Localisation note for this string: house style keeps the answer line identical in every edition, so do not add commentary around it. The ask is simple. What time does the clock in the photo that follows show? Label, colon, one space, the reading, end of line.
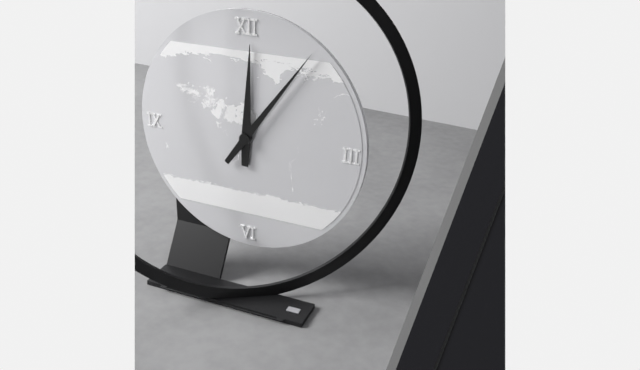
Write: 12:06
